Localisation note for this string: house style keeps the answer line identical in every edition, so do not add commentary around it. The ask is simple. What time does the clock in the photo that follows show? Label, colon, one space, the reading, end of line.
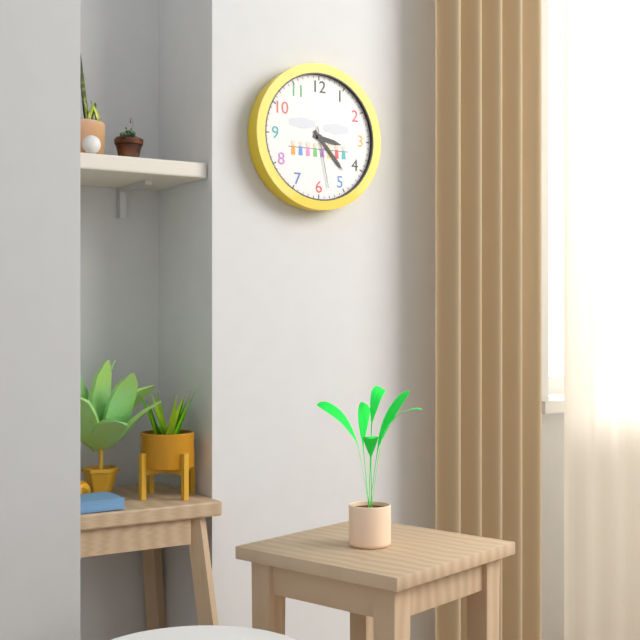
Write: 3:23:28
